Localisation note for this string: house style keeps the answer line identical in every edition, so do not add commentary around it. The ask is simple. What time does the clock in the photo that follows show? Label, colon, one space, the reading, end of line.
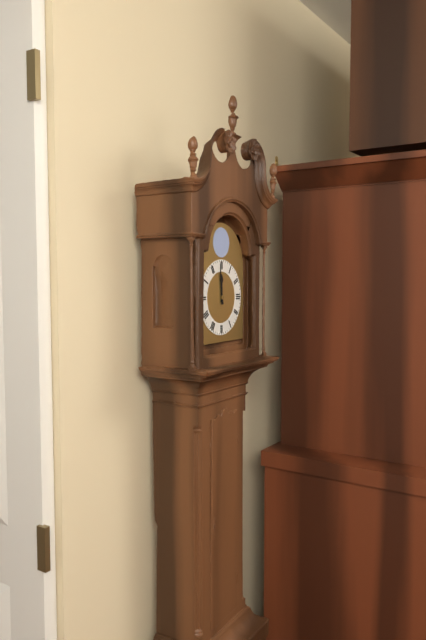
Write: 11:59
